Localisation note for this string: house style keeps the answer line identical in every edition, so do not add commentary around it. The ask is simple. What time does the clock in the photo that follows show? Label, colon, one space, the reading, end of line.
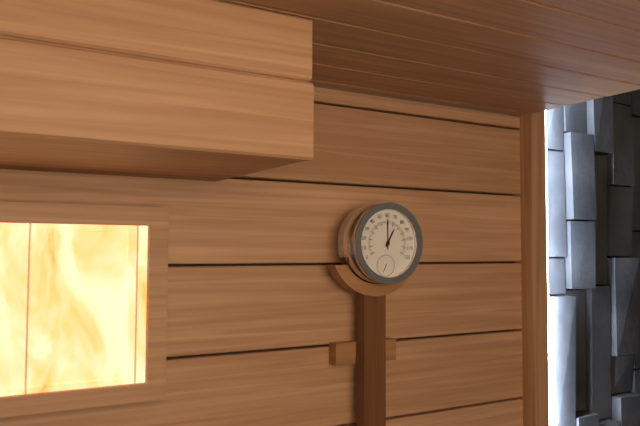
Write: 1:00
